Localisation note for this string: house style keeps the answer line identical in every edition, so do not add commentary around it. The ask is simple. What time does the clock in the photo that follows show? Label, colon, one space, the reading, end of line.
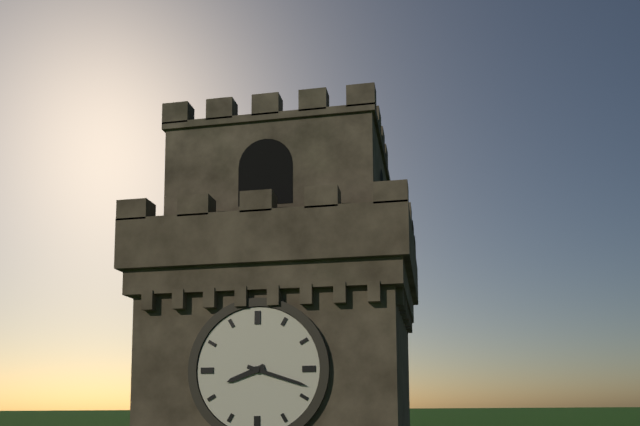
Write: 8:18
